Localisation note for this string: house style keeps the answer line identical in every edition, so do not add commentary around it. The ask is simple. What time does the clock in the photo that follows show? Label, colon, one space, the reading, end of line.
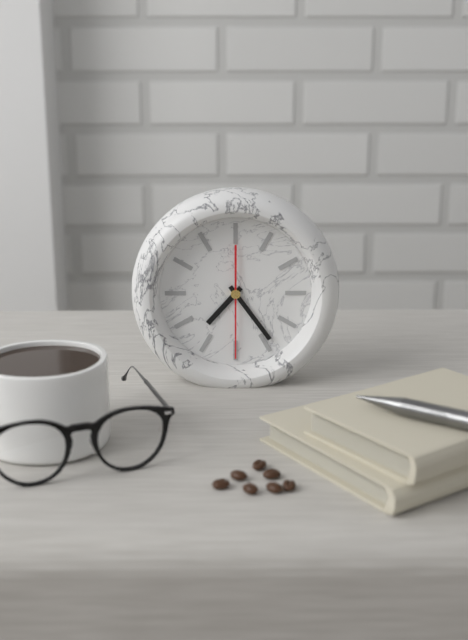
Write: 7:24:30
